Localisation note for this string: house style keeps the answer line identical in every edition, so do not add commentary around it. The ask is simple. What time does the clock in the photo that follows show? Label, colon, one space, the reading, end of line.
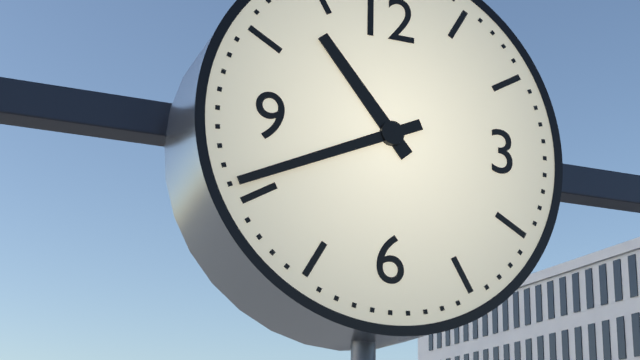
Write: 10:41
